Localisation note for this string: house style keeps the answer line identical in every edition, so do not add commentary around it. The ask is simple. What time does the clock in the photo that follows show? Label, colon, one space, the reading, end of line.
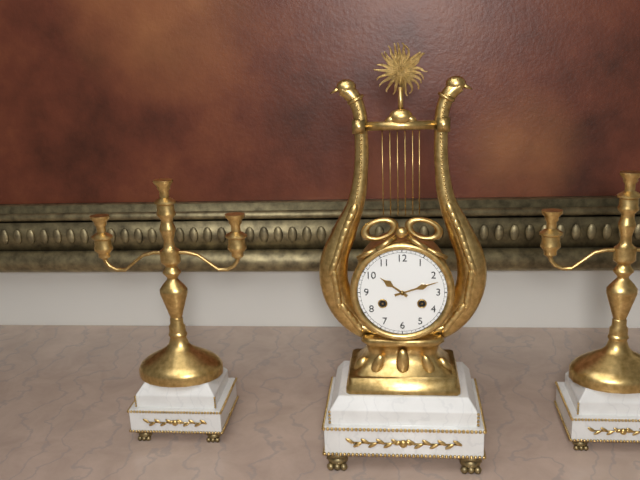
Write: 10:12
